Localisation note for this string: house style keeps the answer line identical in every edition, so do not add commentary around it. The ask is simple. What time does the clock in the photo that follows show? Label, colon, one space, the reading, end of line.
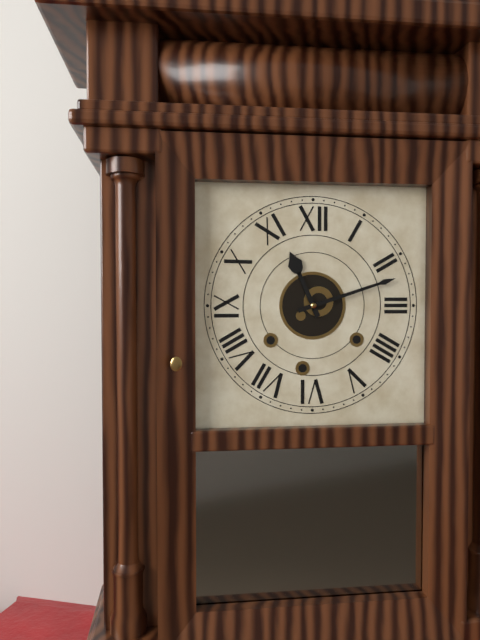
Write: 11:12
